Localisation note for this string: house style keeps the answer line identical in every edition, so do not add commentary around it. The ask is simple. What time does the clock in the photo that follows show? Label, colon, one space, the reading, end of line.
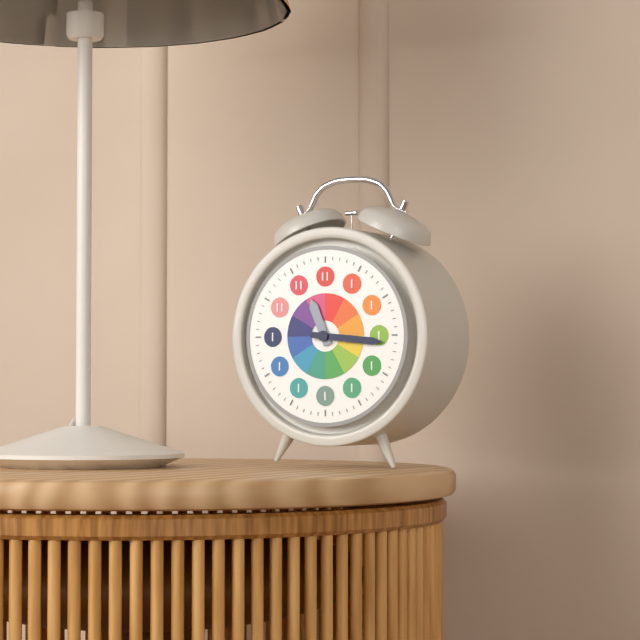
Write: 11:16
